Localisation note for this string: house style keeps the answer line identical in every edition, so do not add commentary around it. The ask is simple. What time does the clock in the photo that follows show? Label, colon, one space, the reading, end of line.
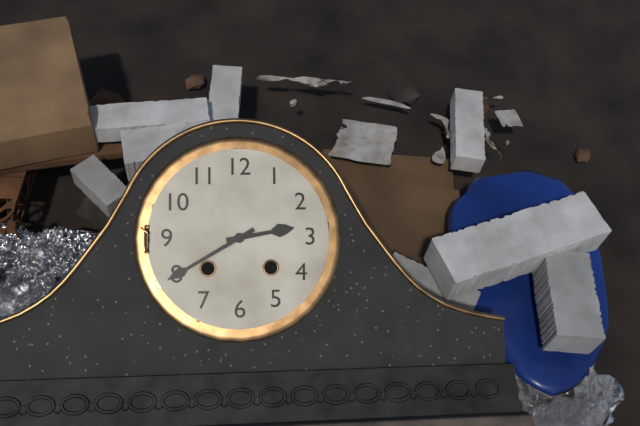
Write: 2:40
